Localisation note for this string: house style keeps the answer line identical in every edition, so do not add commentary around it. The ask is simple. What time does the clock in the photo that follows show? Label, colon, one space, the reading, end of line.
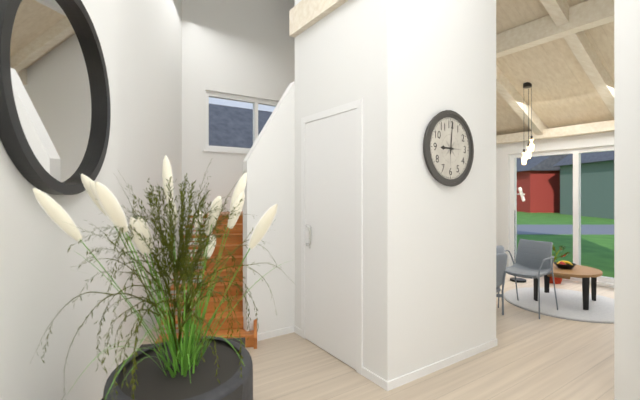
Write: 9:01
